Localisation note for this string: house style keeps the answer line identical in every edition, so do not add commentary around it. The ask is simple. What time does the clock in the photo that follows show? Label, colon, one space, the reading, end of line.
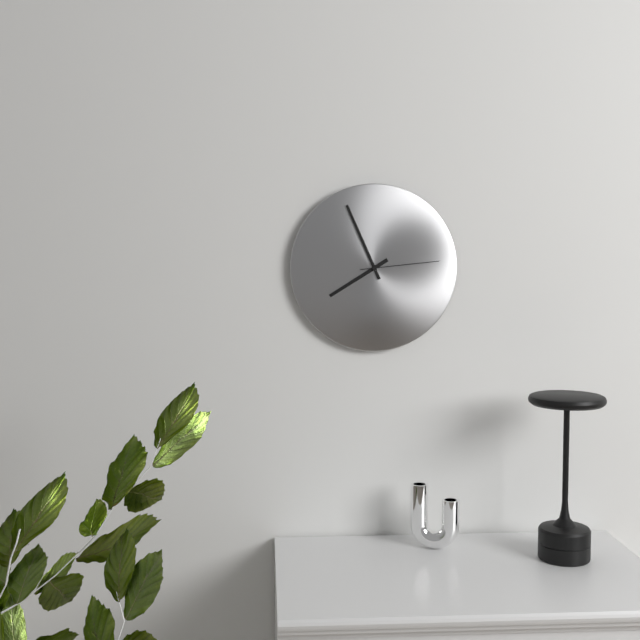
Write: 7:56:14
